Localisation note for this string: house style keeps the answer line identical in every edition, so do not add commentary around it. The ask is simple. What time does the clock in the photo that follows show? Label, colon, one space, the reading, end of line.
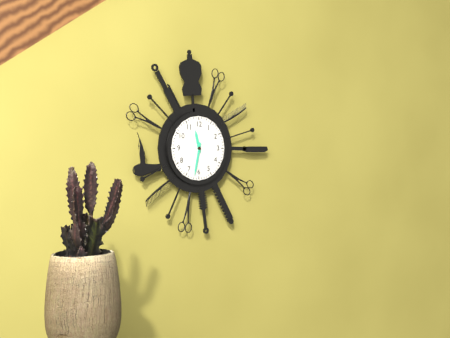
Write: 11:32
